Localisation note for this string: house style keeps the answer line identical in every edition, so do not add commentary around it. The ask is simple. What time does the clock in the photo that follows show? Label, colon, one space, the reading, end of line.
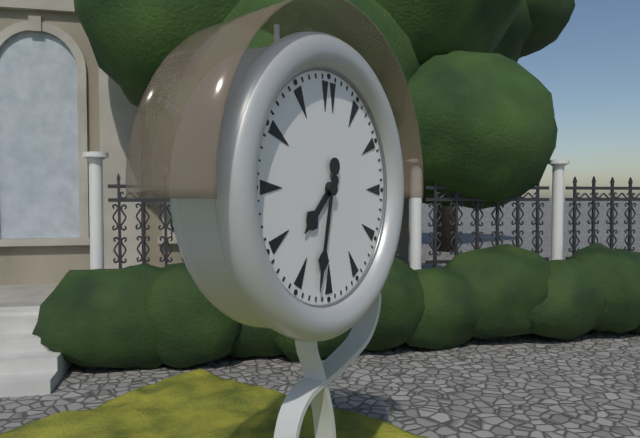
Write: 7:32
